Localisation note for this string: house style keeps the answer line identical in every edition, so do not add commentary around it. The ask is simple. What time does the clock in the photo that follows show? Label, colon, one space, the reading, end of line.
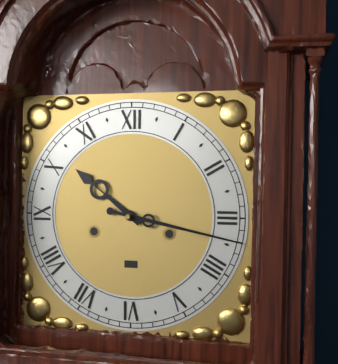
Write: 10:17
